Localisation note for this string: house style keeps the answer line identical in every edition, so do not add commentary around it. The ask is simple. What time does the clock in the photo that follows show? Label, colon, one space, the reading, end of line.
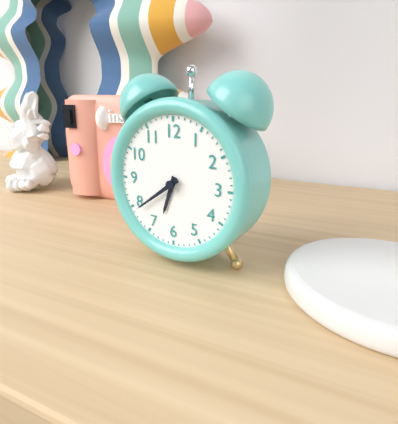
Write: 6:39
